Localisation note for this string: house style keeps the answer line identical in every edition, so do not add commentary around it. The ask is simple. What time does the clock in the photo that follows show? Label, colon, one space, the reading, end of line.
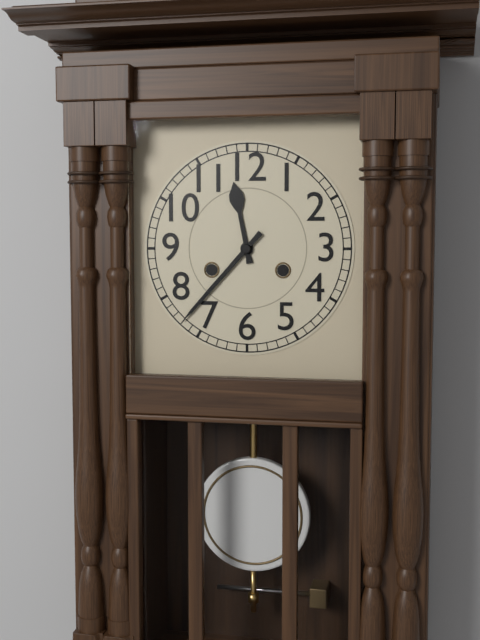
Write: 11:37
